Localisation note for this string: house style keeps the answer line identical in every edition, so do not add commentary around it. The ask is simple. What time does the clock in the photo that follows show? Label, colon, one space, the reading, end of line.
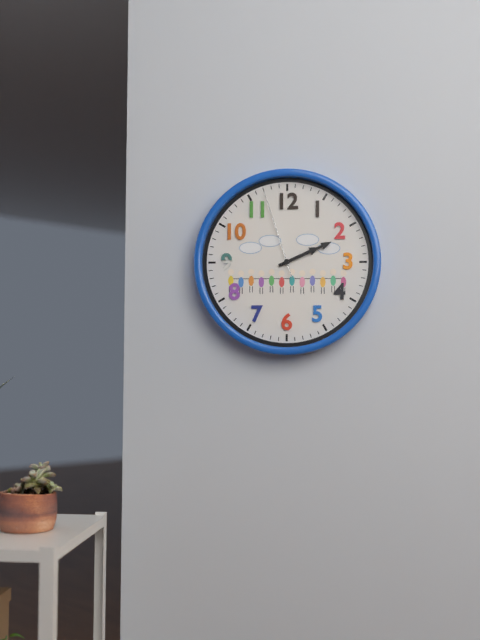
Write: 2:11:57
